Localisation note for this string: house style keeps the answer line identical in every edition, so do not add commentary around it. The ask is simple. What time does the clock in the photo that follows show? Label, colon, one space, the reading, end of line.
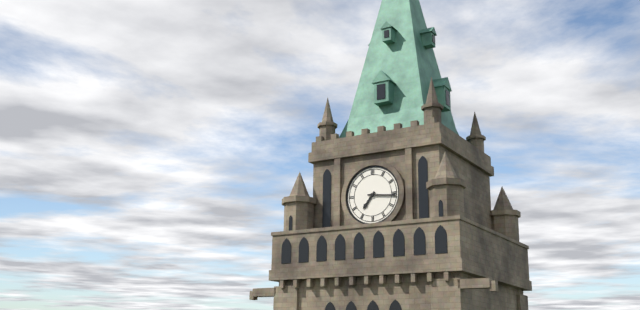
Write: 7:16
